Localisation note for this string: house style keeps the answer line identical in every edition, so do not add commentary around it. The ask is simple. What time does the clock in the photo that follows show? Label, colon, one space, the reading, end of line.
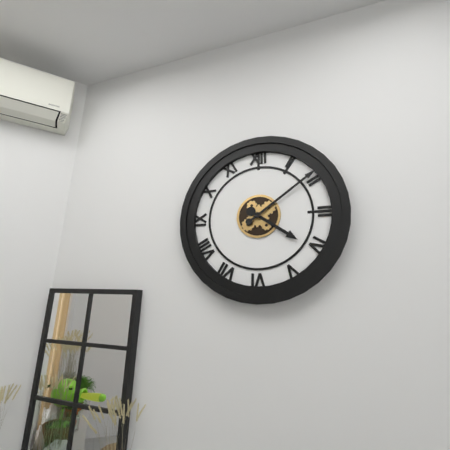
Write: 4:09
